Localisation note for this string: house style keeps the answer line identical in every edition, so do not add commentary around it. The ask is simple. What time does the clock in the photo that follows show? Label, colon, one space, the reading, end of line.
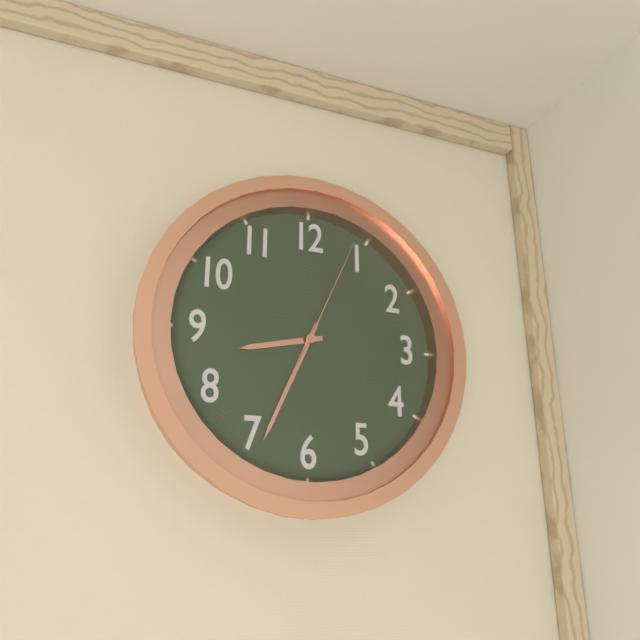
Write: 8:34:04
